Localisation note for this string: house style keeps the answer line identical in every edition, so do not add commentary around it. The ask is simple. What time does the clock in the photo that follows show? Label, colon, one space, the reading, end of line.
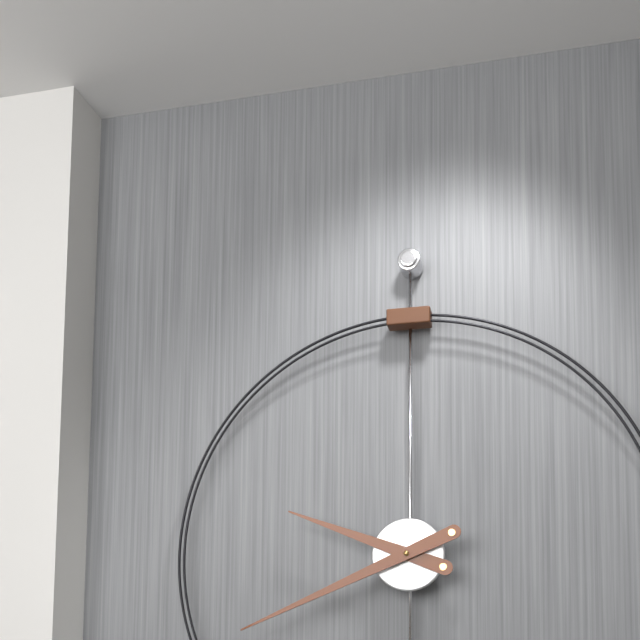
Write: 9:41
